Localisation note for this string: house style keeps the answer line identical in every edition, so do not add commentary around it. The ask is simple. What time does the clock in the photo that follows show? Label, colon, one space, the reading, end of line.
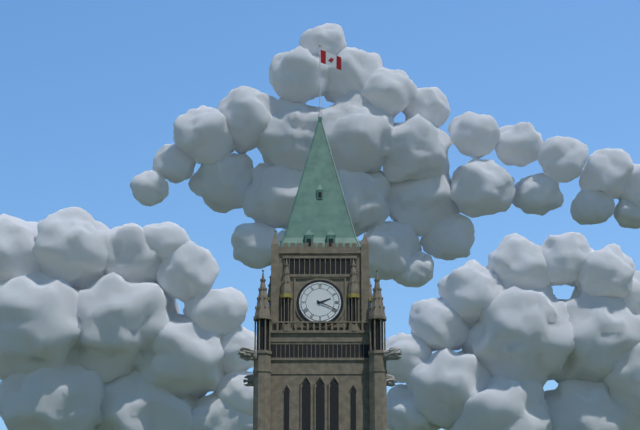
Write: 2:19
